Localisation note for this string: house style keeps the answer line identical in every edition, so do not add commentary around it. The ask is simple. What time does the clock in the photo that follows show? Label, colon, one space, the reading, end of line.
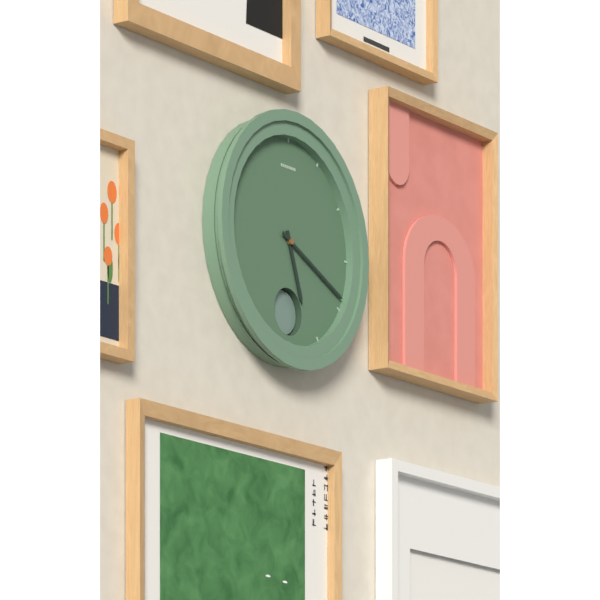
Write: 5:19
